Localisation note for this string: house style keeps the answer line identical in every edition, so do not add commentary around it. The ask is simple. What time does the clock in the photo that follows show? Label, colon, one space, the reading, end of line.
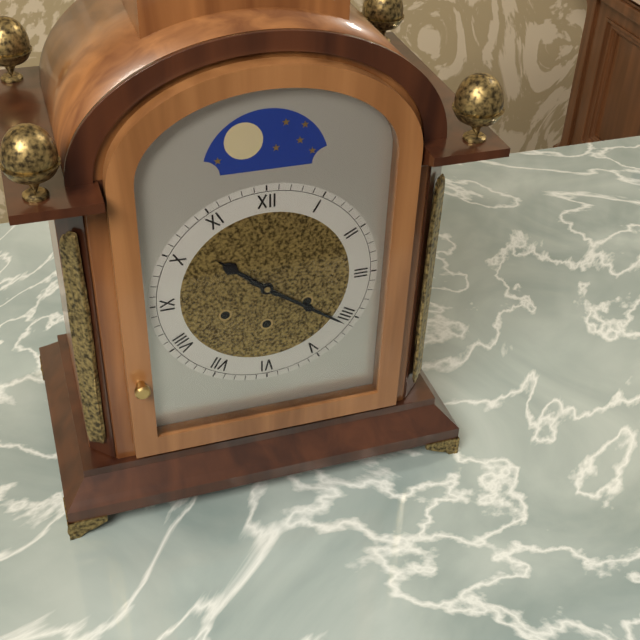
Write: 10:21
